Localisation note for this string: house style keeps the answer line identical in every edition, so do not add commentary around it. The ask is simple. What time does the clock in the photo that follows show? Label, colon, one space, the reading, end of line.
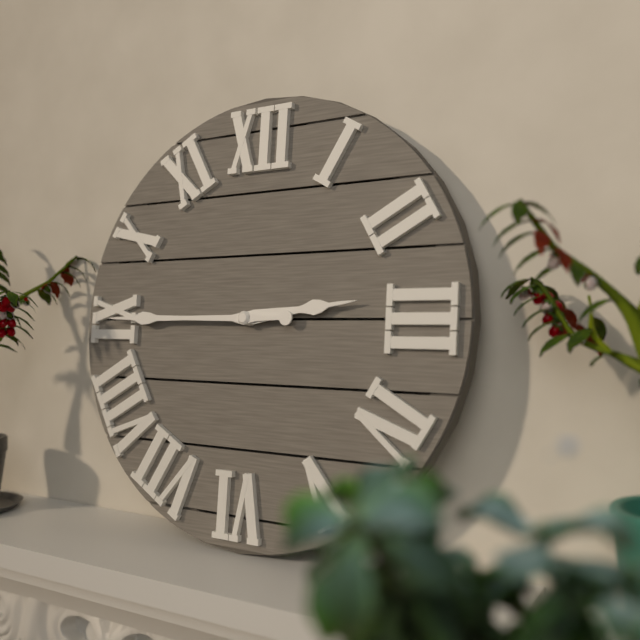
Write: 2:45
